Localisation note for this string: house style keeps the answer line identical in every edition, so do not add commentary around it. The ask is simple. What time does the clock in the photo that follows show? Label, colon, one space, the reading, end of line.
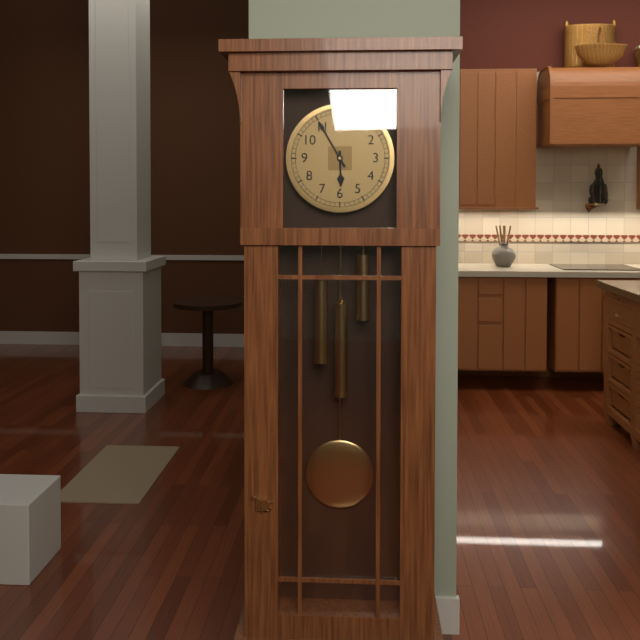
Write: 5:55
